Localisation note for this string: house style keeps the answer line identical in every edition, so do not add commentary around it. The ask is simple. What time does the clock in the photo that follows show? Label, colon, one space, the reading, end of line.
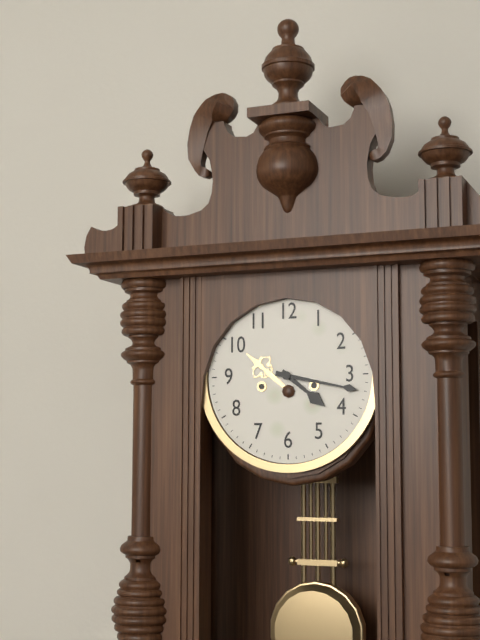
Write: 4:17
